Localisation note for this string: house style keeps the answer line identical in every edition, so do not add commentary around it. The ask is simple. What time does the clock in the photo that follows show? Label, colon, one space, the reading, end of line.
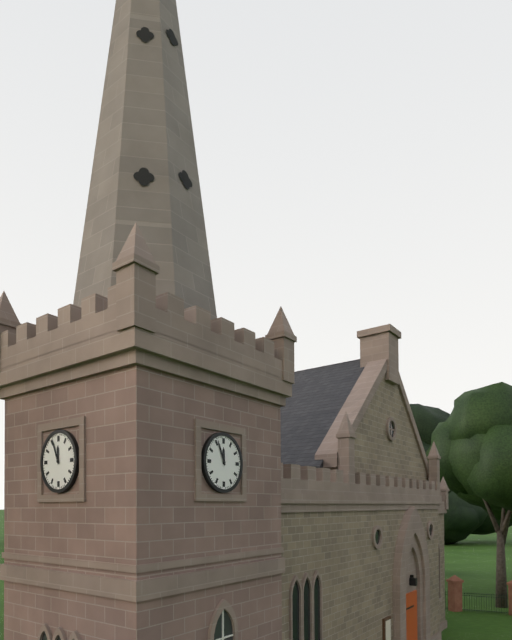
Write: 11:56
